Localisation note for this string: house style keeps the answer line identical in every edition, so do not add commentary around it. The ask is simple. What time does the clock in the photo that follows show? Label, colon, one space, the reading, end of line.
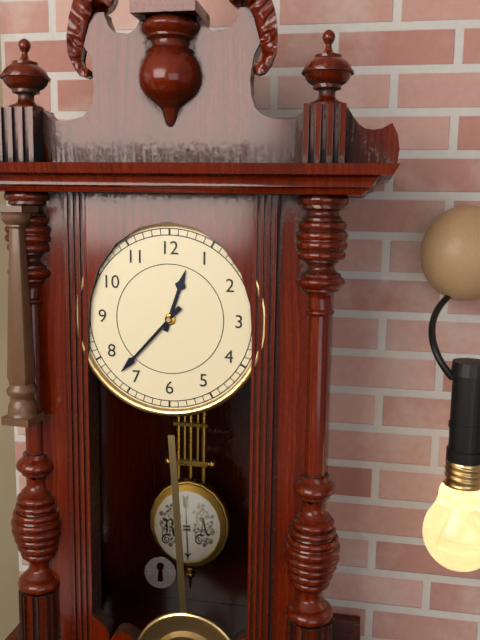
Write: 12:37
